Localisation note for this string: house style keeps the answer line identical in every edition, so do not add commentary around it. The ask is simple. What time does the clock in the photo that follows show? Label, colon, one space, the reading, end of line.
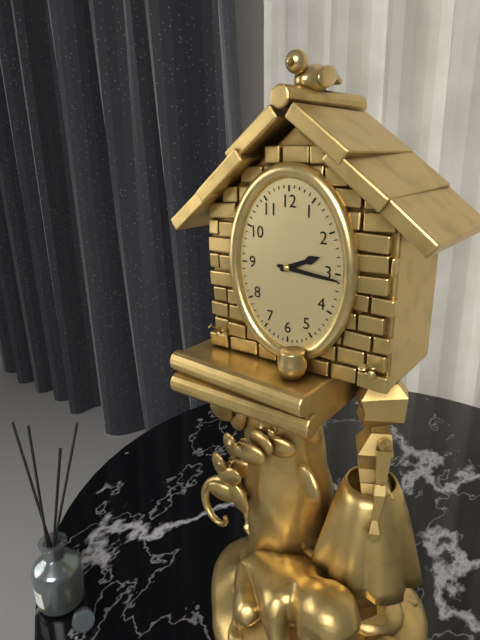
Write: 2:16
